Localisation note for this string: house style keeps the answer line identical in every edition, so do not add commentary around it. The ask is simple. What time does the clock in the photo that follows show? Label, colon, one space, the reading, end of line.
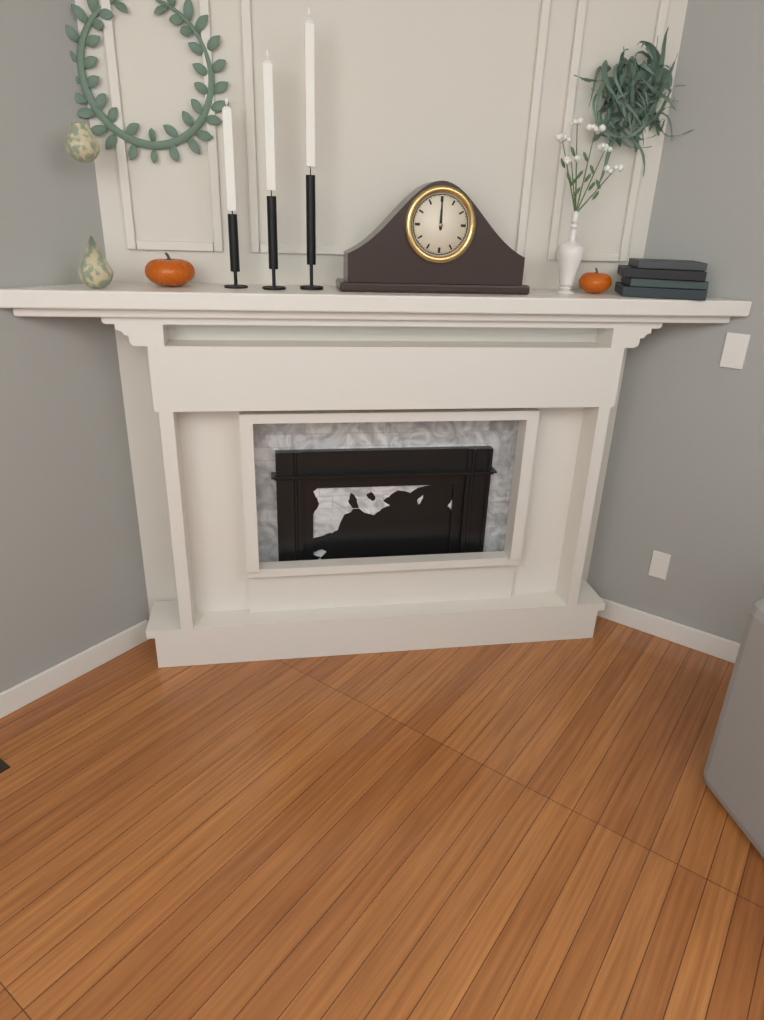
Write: 12:00
